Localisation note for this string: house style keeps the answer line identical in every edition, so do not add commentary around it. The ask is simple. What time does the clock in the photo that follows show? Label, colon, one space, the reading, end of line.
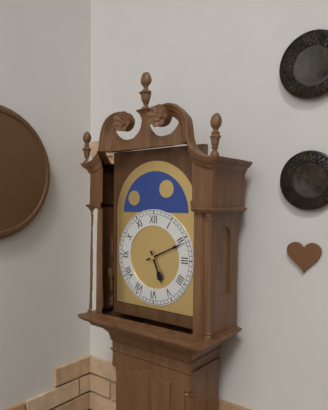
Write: 5:11
